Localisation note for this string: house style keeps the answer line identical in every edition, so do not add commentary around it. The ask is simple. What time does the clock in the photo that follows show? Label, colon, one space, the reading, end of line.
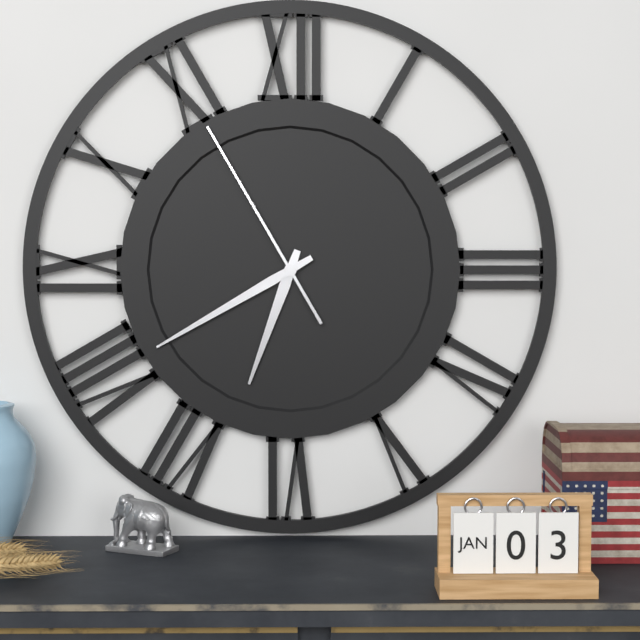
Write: 6:40:55
